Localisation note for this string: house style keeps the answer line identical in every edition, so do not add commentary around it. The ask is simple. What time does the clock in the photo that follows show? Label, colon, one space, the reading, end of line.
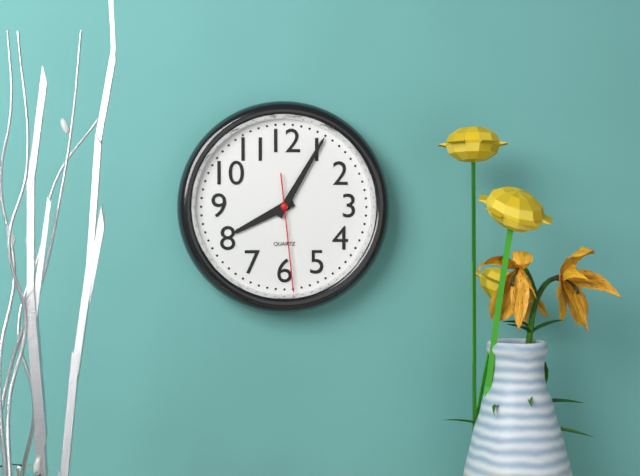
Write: 8:05:29
